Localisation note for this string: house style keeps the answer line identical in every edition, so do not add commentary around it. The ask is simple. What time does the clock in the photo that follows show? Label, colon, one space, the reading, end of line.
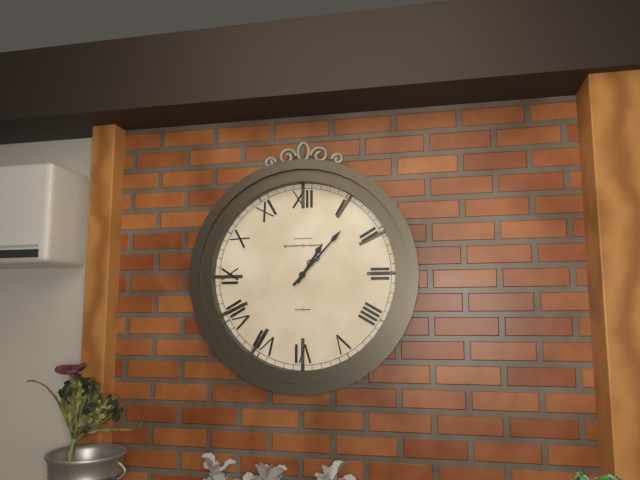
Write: 1:07
